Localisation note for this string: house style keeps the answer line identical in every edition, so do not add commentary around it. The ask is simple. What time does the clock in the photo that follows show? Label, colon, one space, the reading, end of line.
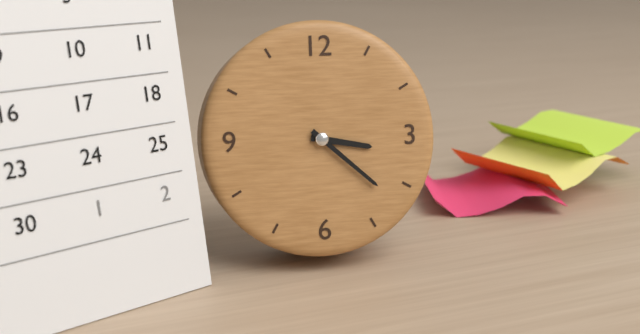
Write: 3:22
